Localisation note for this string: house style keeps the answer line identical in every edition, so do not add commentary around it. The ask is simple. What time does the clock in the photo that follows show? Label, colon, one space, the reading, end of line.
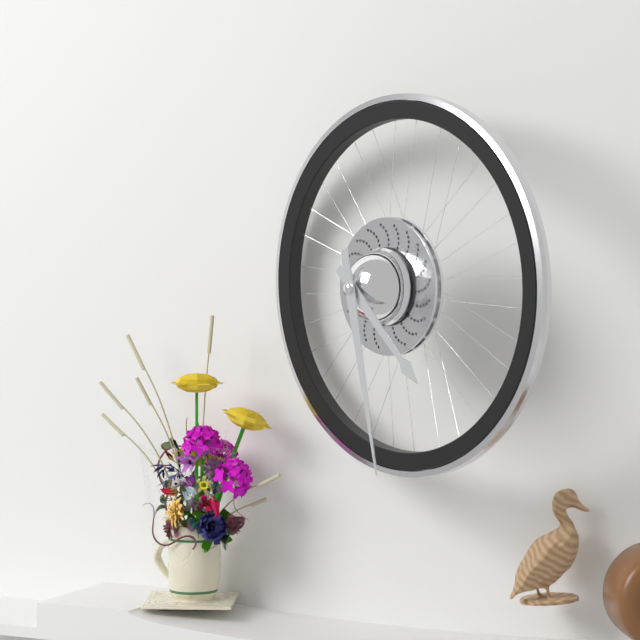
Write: 4:28
